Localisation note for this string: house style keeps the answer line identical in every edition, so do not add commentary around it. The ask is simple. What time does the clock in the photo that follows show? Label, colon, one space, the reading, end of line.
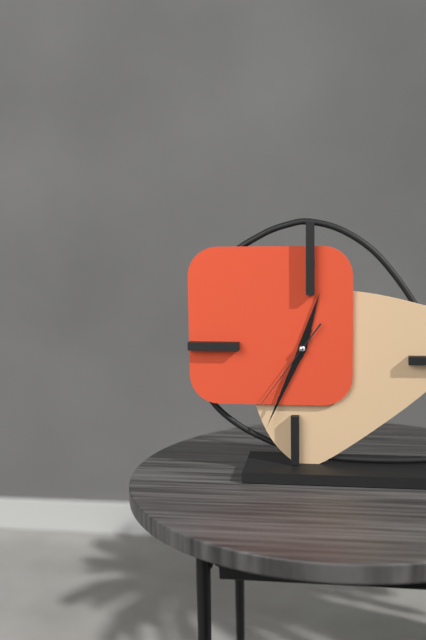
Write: 12:34:36
